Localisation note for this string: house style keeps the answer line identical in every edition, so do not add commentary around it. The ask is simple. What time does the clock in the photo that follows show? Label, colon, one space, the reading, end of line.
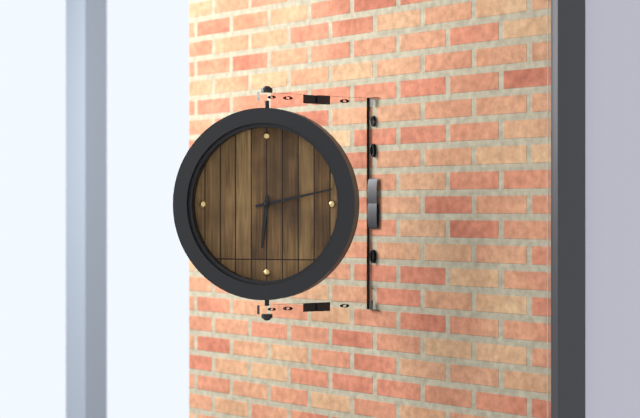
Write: 6:13
